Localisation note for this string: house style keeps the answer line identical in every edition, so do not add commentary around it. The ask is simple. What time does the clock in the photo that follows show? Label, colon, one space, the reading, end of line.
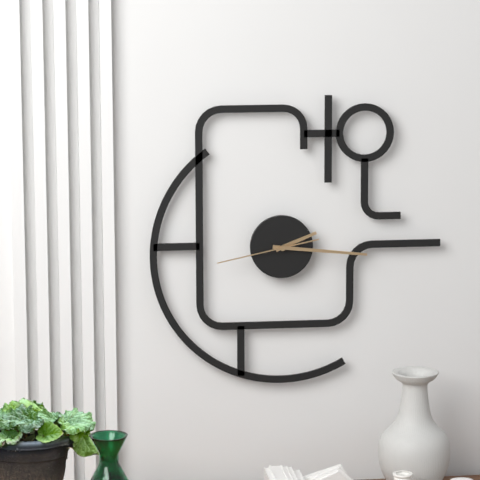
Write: 2:16:43
